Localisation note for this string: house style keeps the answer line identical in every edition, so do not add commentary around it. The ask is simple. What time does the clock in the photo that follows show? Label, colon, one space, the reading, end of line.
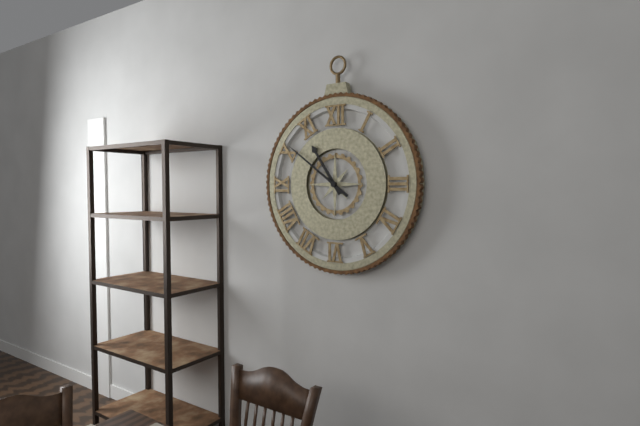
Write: 10:51
